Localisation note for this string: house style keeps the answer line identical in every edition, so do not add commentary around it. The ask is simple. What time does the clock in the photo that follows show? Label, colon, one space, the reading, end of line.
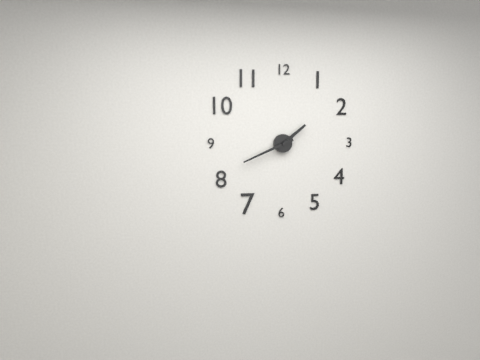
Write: 1:41
